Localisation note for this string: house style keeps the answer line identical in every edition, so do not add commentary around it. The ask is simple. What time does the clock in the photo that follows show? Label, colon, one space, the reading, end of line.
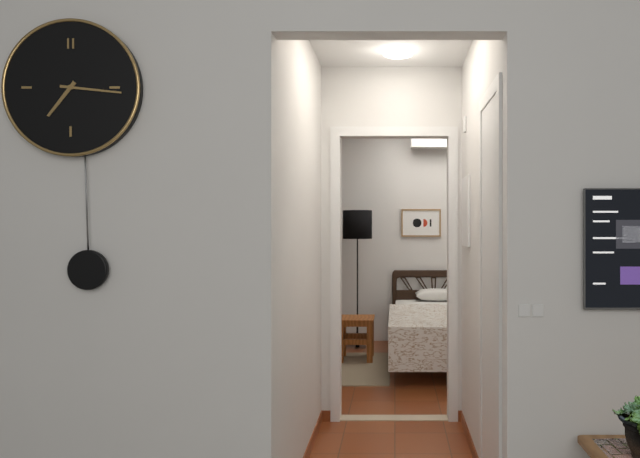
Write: 7:16
